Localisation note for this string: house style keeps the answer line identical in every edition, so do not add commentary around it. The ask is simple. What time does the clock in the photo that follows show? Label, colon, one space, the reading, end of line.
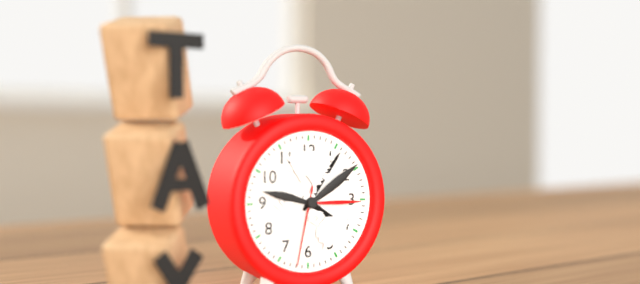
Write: 4:06:32
